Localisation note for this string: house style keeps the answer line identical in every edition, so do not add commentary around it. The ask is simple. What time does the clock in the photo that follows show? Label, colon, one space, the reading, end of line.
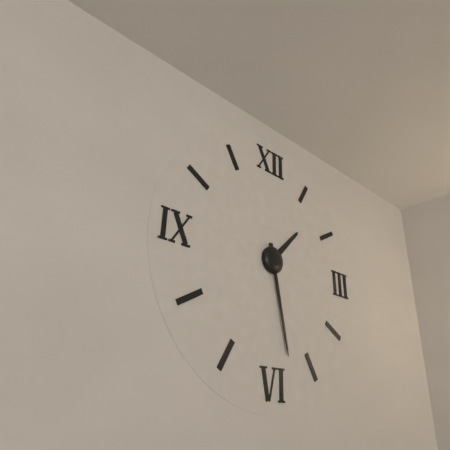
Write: 1:28
